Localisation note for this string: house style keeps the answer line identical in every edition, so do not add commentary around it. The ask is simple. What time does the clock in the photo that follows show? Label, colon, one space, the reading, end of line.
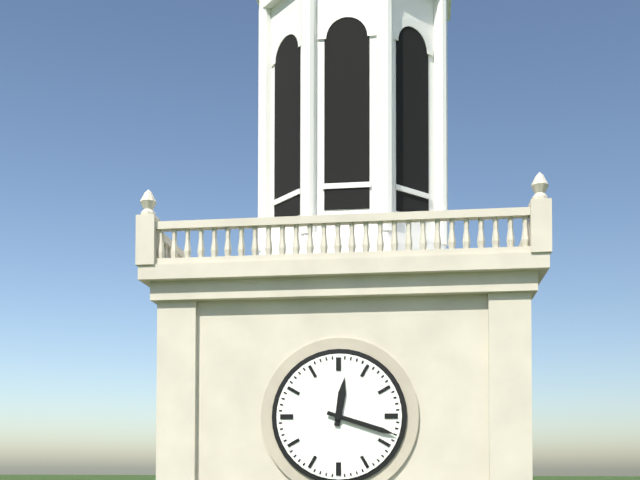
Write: 12:18
